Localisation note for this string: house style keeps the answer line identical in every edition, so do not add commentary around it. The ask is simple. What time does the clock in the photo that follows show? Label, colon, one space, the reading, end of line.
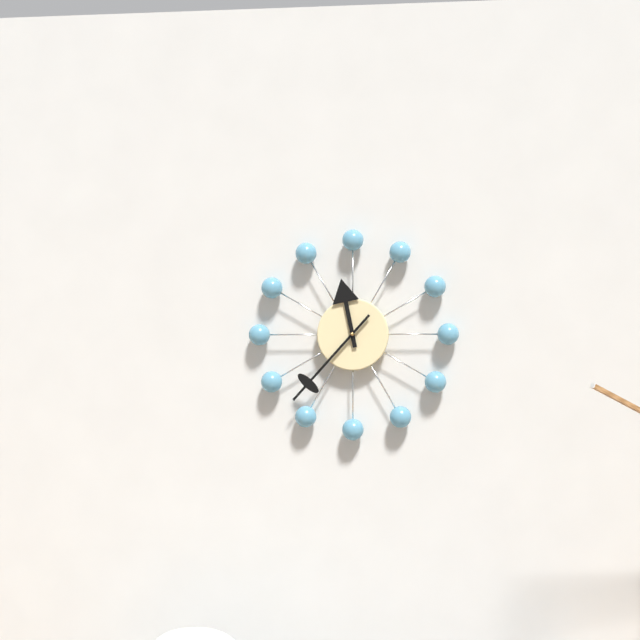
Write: 11:37
